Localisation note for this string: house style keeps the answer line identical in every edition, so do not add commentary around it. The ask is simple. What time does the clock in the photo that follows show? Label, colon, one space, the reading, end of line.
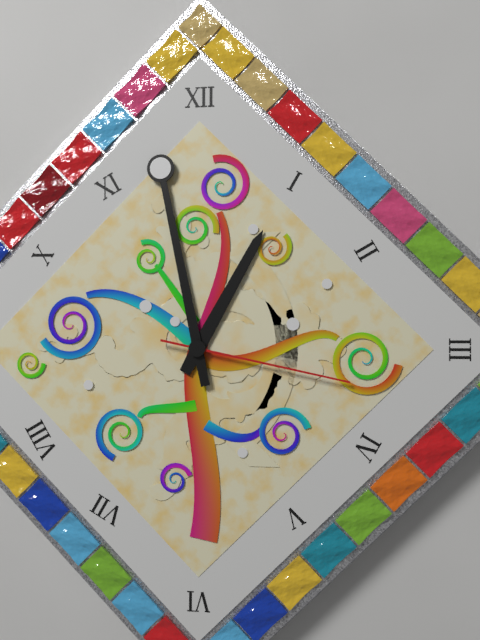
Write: 12:58:17
